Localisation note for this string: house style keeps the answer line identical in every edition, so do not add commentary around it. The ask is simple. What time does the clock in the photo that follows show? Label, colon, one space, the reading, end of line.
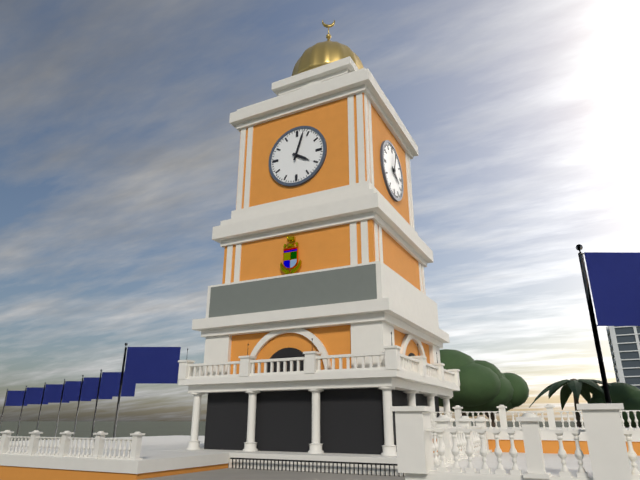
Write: 4:03
